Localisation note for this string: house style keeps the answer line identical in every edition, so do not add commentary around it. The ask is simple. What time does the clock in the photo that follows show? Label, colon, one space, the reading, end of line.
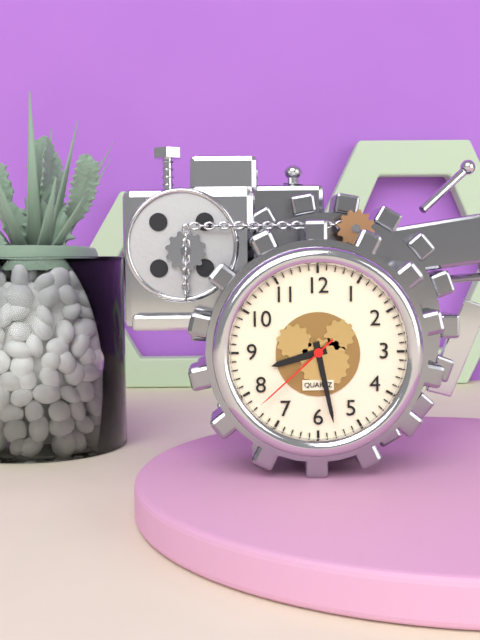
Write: 8:28:38
